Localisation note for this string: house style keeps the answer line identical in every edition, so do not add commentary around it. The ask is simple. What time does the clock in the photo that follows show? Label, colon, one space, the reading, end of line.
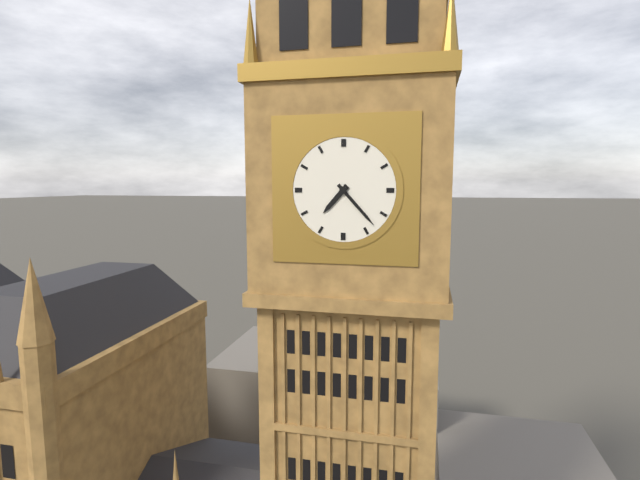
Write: 7:23
